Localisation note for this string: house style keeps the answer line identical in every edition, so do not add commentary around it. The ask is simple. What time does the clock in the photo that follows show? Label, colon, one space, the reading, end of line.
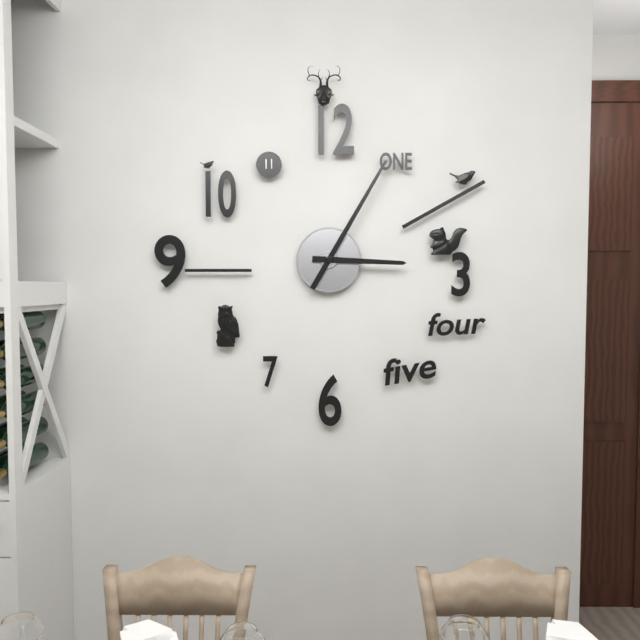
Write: 3:05
